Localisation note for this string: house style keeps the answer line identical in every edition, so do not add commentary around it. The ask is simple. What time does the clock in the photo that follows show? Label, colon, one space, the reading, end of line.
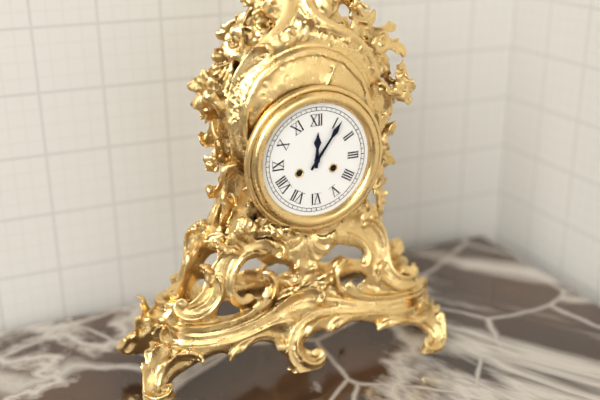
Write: 12:06
